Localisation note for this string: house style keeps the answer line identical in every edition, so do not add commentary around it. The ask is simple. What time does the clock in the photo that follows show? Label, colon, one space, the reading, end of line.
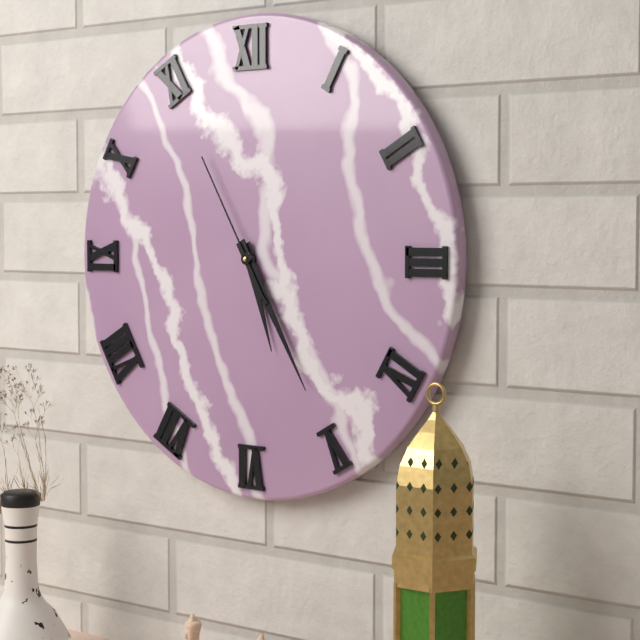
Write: 5:25:55
